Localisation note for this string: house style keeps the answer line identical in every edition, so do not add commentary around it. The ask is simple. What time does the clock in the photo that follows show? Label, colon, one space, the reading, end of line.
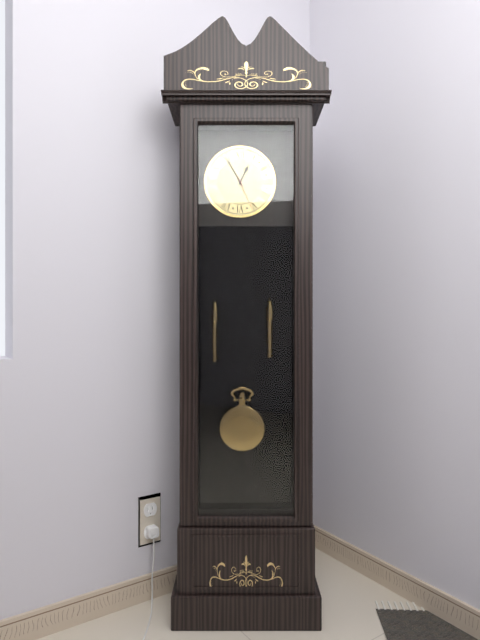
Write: 12:55
